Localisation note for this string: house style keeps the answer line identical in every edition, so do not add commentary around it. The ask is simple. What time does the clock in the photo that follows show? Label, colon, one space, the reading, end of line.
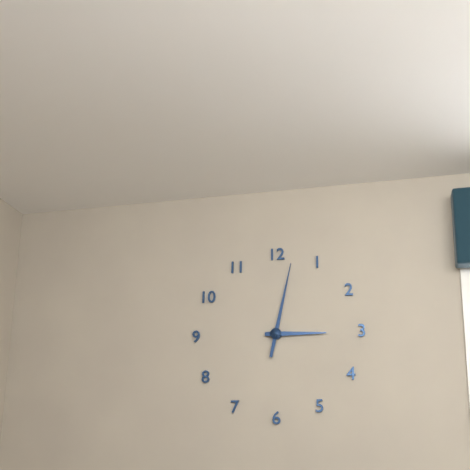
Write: 3:02
